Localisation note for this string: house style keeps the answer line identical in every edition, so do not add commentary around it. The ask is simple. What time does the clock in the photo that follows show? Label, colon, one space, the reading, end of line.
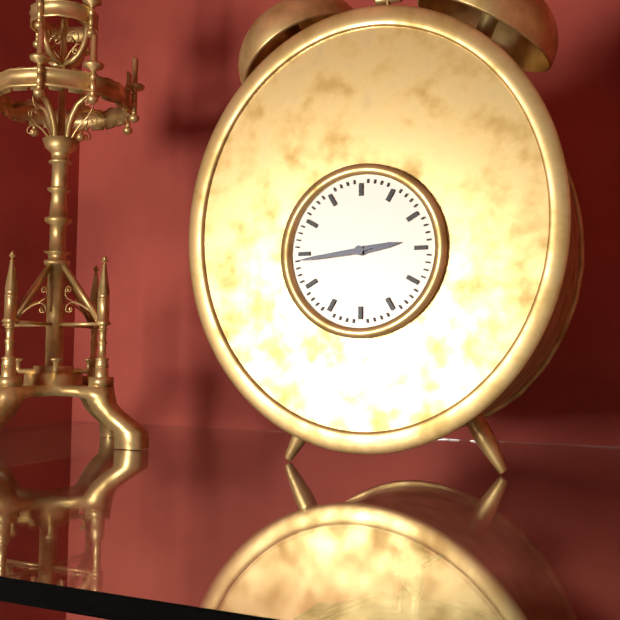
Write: 2:44
